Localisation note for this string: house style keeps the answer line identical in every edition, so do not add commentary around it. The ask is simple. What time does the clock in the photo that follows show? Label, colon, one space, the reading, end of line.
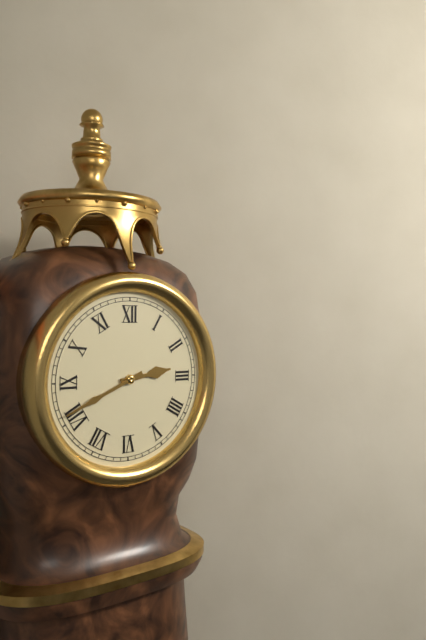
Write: 2:41
